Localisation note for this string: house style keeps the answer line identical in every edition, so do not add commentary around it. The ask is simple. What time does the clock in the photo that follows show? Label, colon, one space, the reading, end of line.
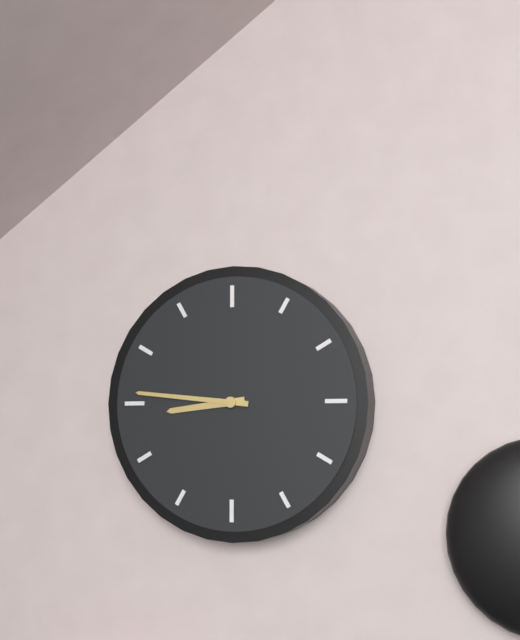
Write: 8:46
